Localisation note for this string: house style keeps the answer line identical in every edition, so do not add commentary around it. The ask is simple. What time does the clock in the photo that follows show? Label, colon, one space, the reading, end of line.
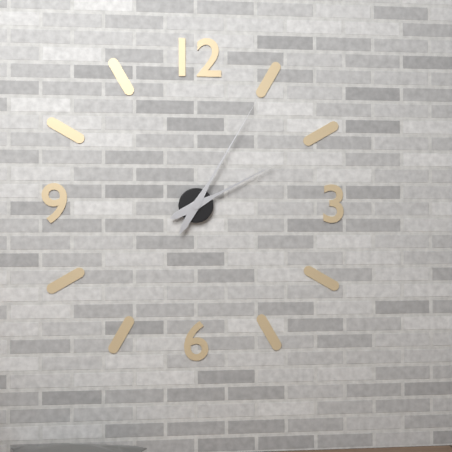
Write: 2:05
